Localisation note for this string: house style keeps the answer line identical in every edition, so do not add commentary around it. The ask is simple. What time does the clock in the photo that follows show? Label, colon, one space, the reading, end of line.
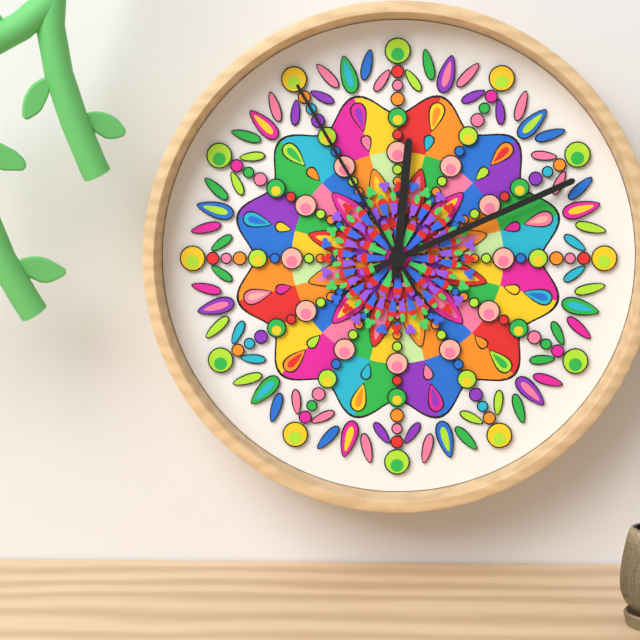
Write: 12:11:55
